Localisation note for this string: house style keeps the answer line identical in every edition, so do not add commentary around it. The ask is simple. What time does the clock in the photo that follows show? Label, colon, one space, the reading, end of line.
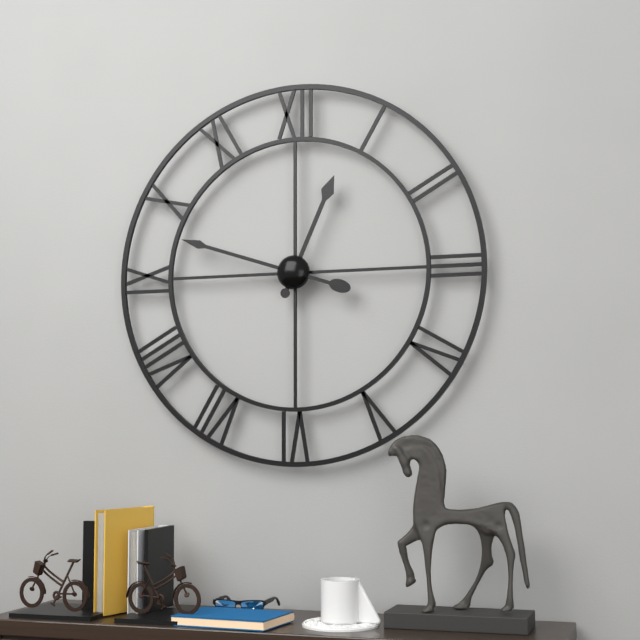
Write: 12:48
